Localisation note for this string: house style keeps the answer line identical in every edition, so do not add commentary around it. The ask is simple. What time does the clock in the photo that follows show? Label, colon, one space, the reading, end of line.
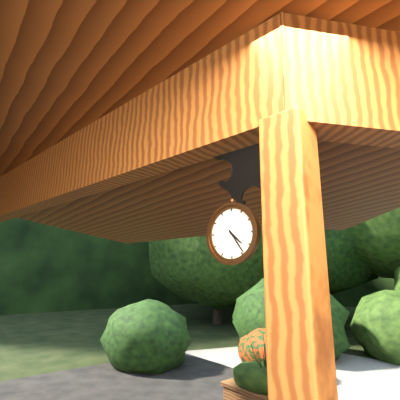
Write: 4:24
